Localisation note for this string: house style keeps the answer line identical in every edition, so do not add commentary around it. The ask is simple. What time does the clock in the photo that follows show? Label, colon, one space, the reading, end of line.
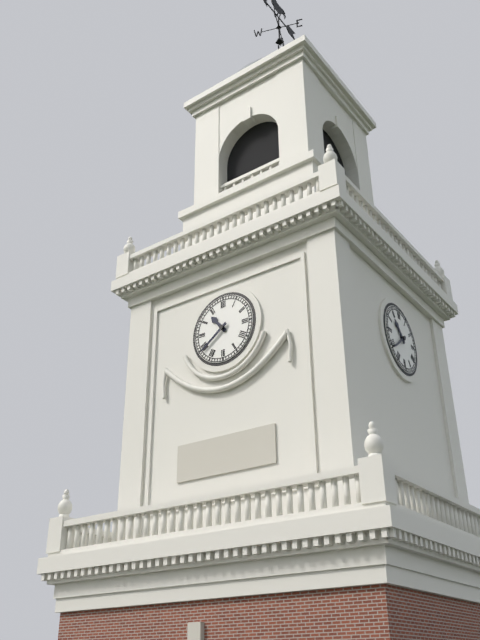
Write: 10:39
